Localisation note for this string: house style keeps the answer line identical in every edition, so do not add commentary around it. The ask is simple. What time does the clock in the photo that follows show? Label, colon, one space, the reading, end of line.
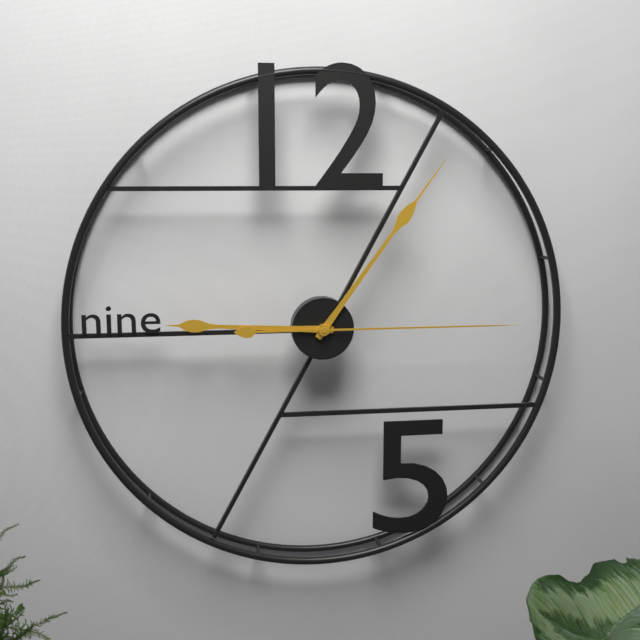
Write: 9:06:15
